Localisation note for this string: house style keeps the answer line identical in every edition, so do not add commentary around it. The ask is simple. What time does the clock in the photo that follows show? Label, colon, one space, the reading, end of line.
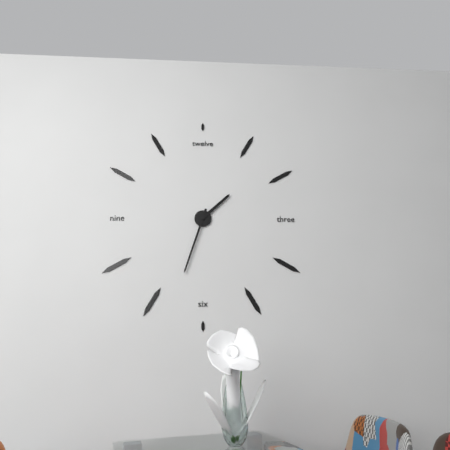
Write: 1:33
